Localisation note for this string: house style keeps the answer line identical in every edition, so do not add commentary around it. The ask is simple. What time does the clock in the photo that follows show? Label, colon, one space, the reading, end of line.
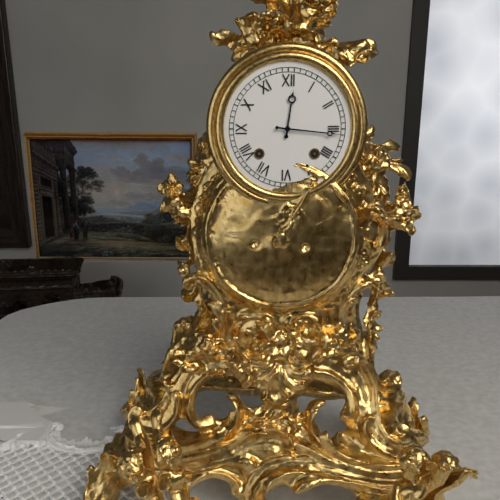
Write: 12:16
